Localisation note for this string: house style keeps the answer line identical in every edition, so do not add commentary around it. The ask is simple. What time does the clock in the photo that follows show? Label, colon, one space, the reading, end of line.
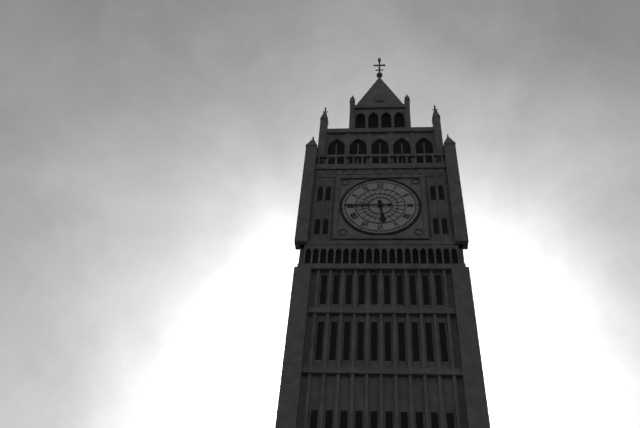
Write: 5:45
